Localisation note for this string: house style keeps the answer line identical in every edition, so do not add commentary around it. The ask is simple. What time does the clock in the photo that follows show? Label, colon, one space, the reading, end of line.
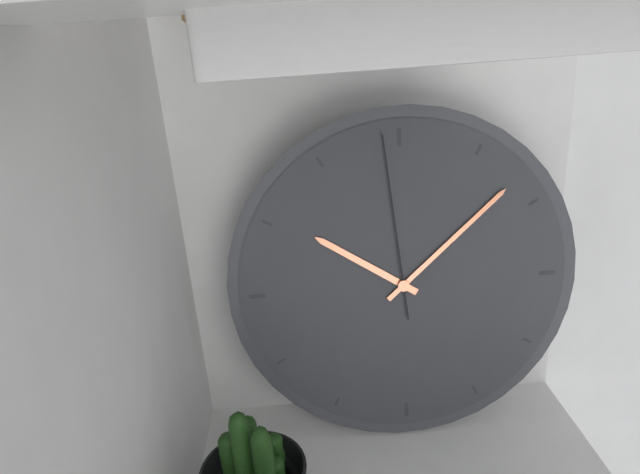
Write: 10:08:59
